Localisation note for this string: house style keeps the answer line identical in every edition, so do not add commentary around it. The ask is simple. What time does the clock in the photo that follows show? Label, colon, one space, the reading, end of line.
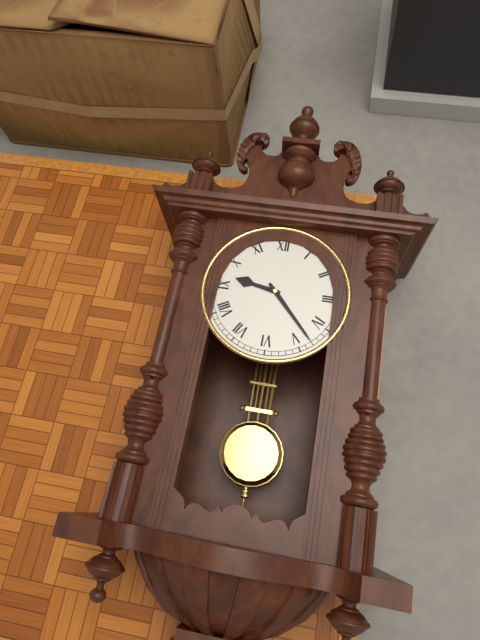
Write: 9:23
